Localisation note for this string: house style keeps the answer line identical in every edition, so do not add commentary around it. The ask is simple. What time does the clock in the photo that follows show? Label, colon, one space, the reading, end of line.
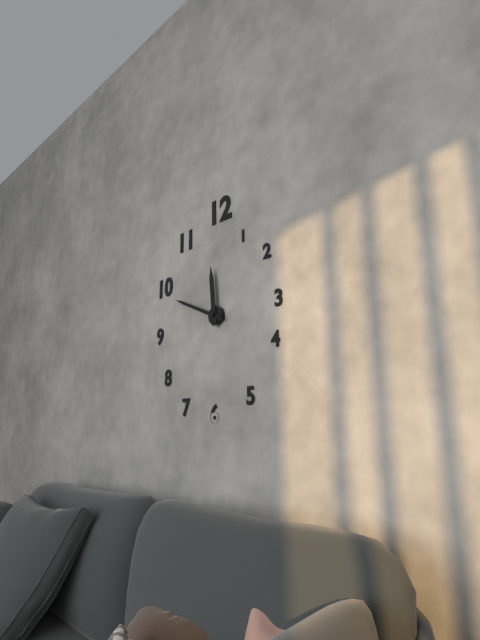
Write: 11:49
